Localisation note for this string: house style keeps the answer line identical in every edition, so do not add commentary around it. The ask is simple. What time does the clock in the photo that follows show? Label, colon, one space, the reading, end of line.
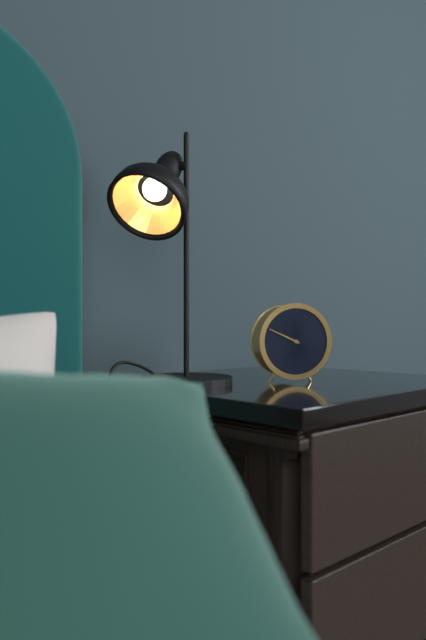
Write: 9:49
